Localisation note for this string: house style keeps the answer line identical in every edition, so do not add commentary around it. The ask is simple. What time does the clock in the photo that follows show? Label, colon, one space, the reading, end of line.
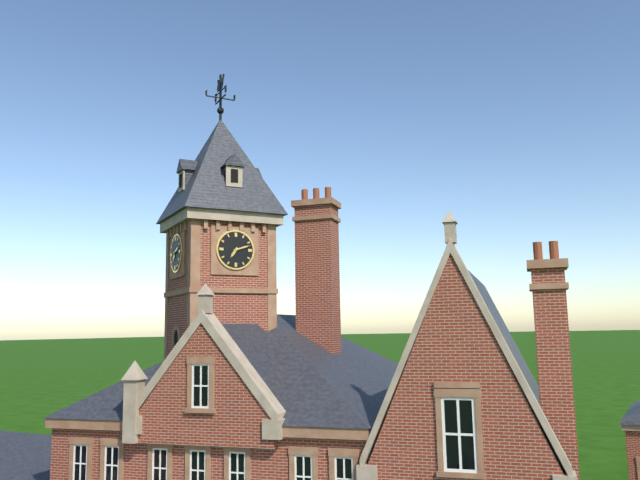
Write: 7:12
